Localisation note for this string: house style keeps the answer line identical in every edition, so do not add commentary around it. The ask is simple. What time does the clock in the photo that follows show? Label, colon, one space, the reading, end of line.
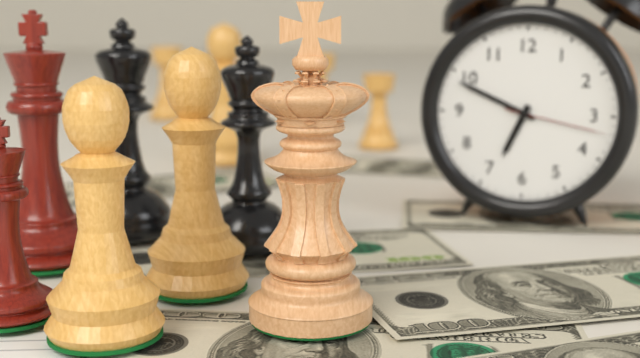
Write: 6:49:17
